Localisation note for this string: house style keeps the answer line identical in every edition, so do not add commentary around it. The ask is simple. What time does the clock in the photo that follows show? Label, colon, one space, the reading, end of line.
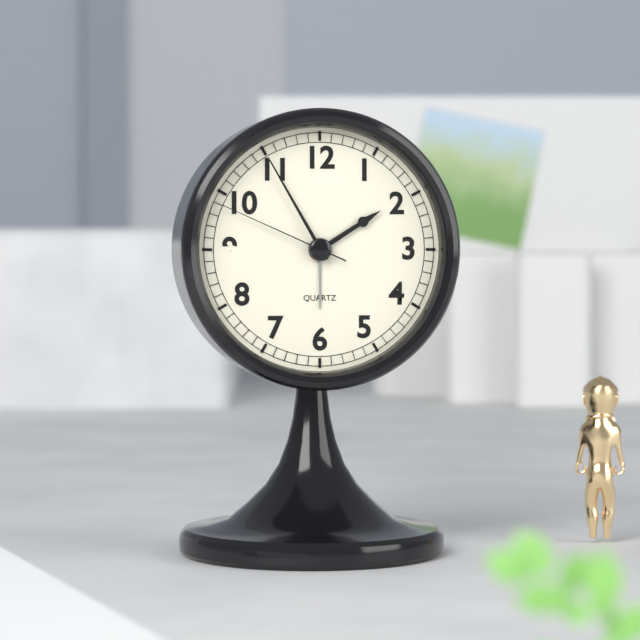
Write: 1:55:49
